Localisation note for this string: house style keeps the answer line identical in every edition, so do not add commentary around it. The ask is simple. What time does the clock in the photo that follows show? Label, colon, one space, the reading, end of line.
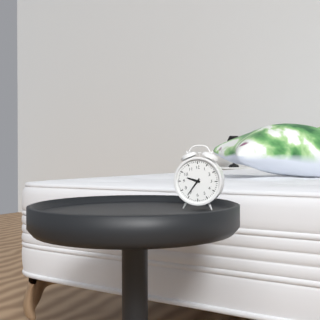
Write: 9:36
